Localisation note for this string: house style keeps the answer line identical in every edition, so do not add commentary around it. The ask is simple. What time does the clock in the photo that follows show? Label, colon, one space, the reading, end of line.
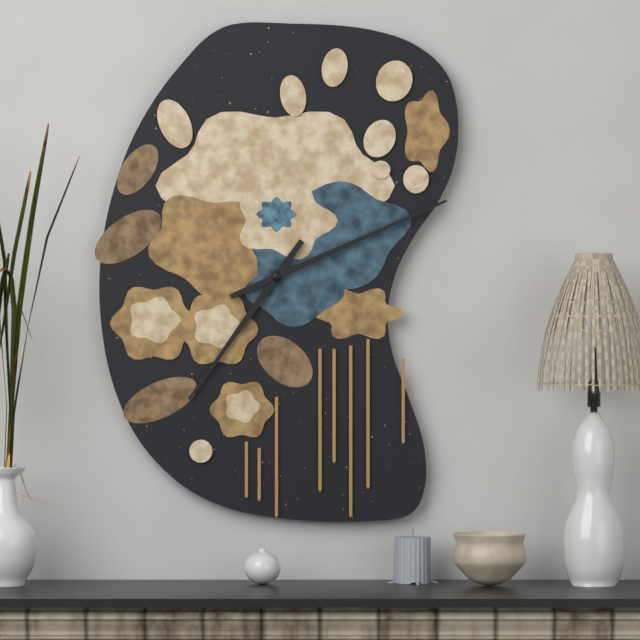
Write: 7:11
